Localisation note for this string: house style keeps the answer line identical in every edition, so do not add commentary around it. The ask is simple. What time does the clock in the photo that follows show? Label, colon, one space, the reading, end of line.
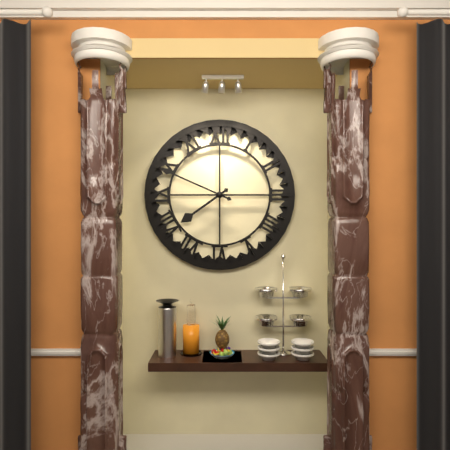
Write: 7:49
